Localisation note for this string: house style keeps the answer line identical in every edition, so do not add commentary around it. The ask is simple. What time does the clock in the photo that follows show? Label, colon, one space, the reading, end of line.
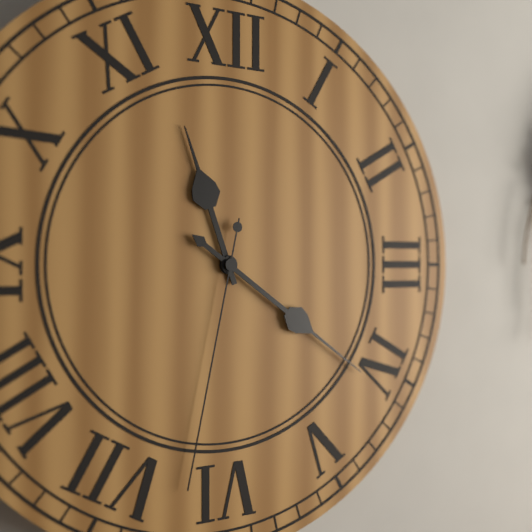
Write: 11:21:32
